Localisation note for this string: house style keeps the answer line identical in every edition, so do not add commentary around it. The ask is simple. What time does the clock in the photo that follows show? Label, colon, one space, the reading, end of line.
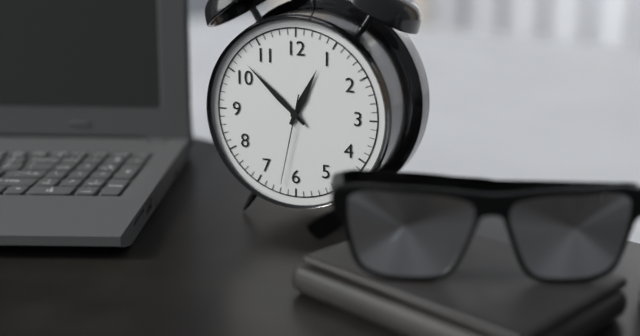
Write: 12:52:32
